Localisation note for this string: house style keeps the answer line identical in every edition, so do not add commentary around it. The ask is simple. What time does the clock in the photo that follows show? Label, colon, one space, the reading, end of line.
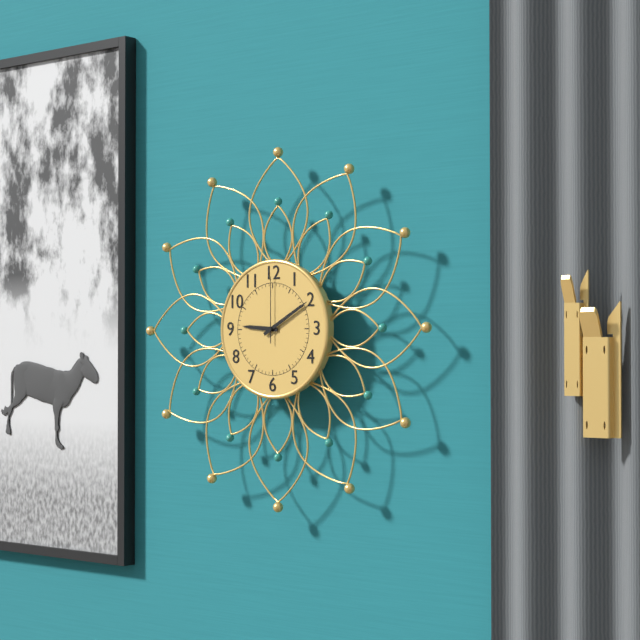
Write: 9:10:00
